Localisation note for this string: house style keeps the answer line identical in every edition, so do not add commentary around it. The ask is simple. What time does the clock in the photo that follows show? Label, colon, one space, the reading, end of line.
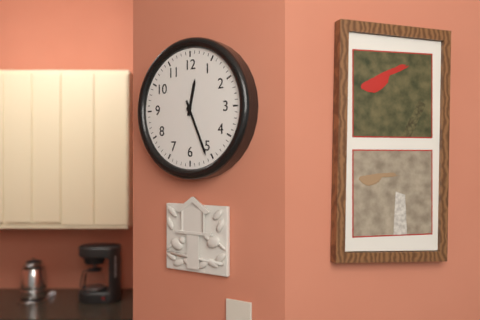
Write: 12:26
